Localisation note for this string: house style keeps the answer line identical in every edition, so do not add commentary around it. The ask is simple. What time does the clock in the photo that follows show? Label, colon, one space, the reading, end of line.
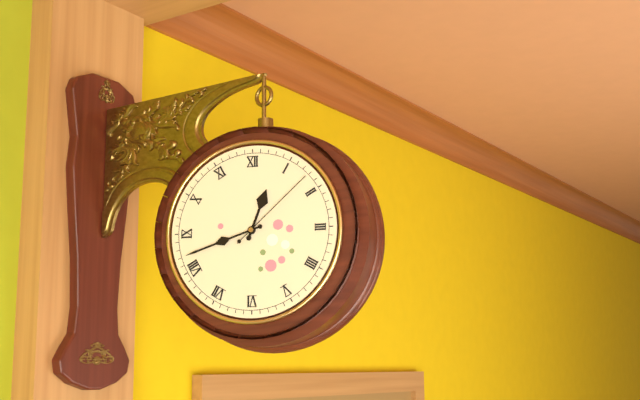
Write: 12:42:08
